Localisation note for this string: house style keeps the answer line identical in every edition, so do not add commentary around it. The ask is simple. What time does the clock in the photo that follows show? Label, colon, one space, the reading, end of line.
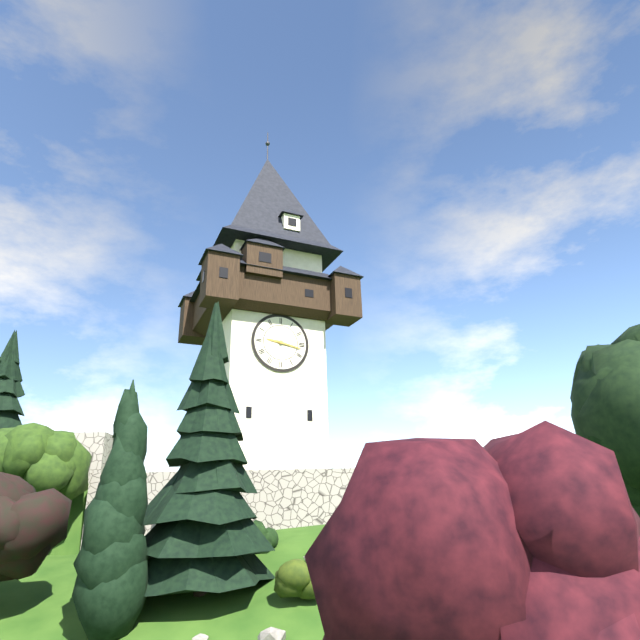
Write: 9:17
